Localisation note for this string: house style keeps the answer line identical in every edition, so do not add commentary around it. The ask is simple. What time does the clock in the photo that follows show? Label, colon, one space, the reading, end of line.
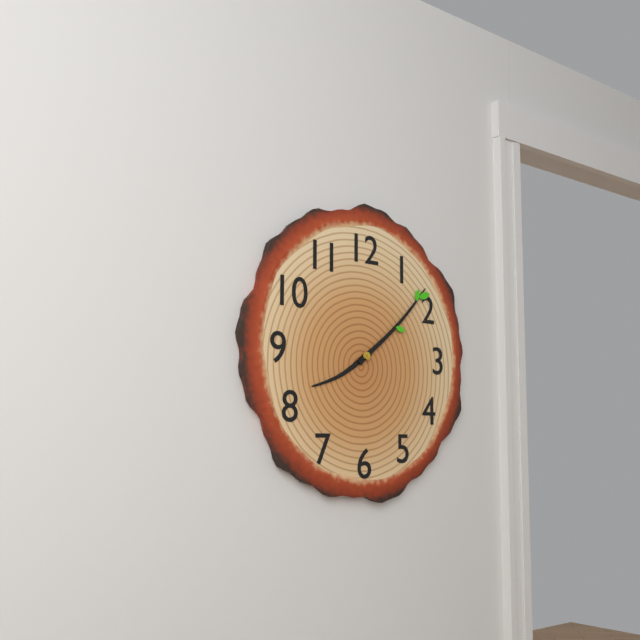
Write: 8:08
